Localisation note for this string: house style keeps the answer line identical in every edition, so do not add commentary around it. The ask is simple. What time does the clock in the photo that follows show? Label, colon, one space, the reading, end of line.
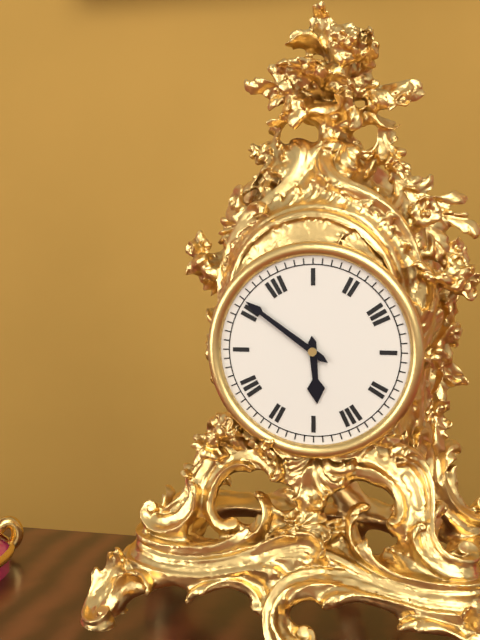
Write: 5:51
